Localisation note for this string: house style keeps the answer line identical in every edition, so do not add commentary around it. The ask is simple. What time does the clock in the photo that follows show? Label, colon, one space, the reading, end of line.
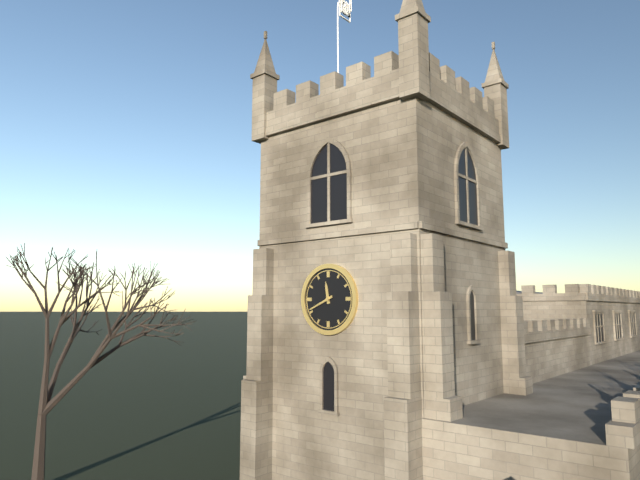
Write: 11:41
